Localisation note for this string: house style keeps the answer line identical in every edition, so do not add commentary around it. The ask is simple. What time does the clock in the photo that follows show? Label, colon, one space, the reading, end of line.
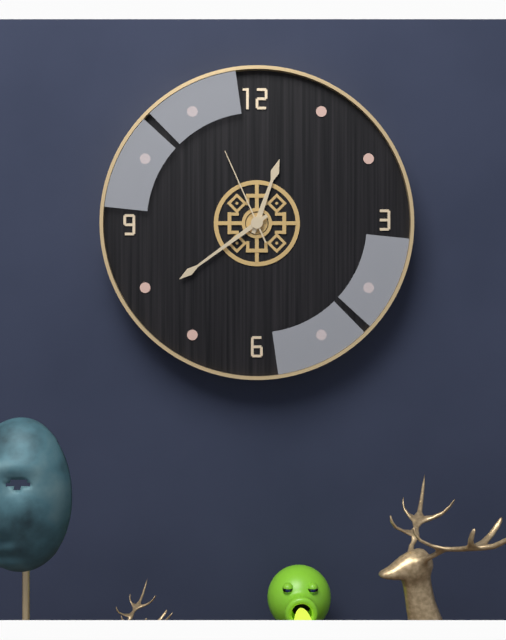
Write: 12:39:56
